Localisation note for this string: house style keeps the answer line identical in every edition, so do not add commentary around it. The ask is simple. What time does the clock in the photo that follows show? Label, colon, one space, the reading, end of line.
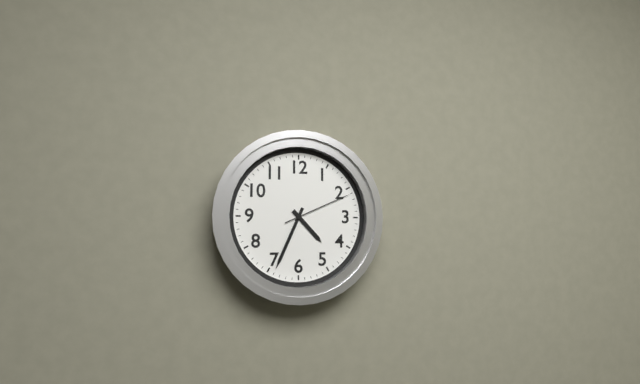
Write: 4:34:11
